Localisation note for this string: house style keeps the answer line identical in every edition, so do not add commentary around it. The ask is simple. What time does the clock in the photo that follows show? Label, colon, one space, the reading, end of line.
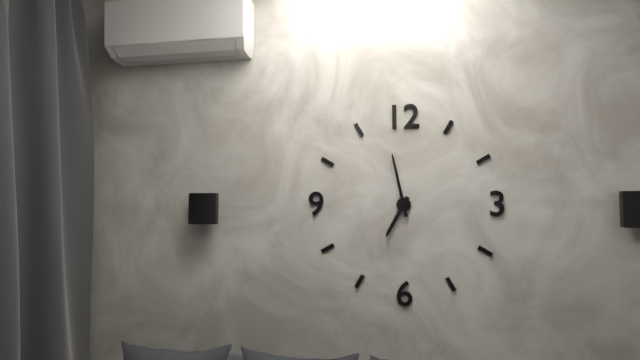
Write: 6:58
